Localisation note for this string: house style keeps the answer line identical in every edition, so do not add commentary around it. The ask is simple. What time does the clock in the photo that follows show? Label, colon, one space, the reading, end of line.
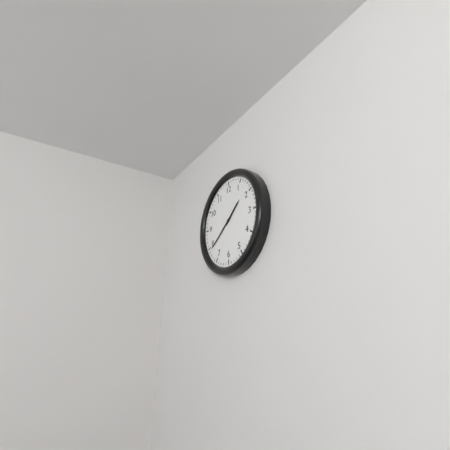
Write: 1:39
